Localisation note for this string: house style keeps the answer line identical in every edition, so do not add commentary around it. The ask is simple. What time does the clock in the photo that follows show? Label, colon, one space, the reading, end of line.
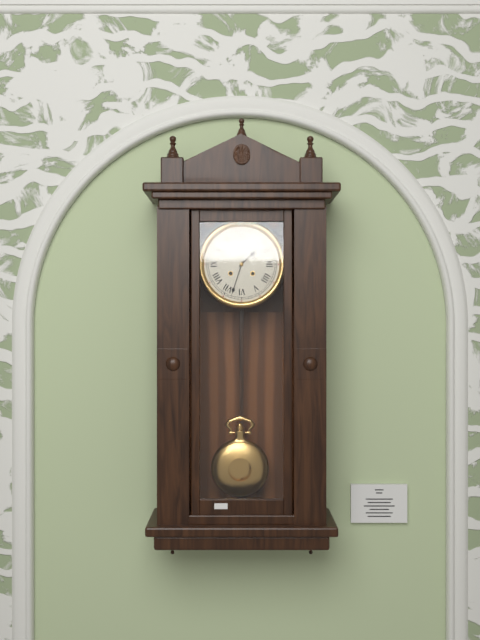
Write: 1:33
